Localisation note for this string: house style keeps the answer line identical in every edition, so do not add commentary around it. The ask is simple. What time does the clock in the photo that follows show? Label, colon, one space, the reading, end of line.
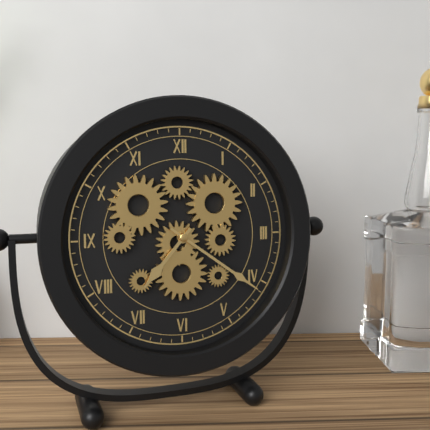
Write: 7:21
